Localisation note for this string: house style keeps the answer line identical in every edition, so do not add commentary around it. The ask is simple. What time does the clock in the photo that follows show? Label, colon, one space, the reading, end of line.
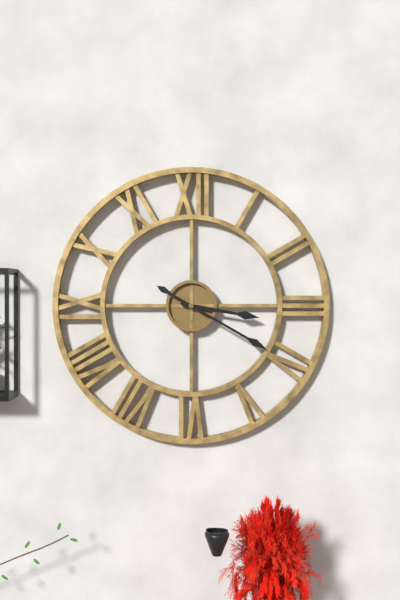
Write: 3:20
